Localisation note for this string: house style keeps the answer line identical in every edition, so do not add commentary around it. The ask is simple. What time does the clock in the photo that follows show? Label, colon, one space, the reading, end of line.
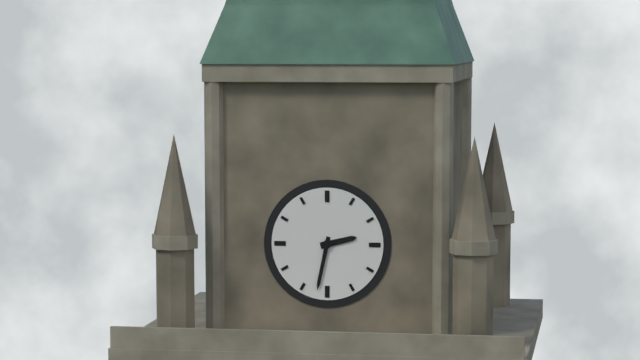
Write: 2:32
